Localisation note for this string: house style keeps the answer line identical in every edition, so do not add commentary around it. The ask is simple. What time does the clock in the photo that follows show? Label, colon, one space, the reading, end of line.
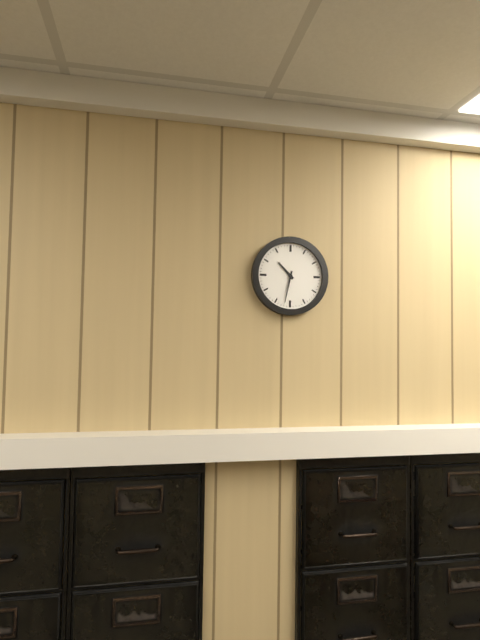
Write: 10:32
